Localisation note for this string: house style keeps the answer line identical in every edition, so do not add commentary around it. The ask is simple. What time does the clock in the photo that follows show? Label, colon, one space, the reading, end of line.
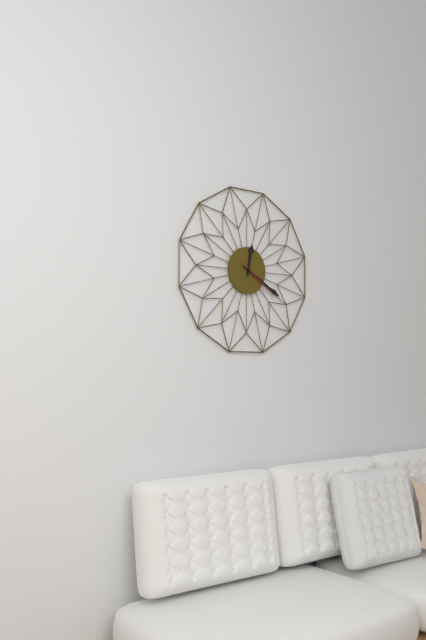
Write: 12:20
